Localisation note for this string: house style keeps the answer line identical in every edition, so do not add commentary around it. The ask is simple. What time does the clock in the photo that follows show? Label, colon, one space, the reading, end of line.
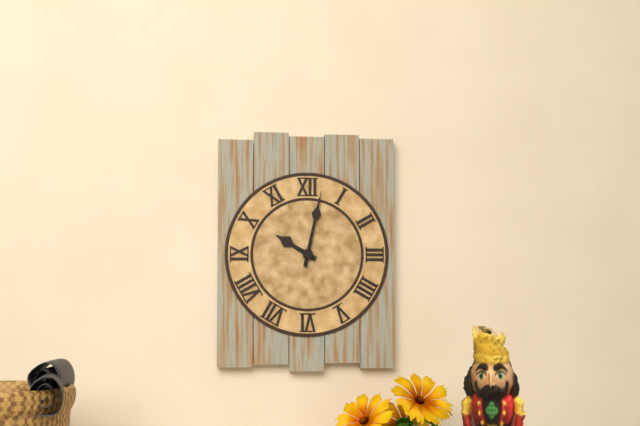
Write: 10:02
